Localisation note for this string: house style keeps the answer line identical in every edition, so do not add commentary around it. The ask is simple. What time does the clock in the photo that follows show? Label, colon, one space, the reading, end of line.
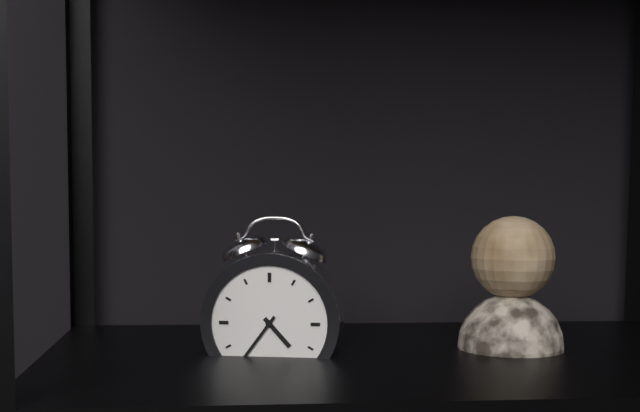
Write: 4:36
